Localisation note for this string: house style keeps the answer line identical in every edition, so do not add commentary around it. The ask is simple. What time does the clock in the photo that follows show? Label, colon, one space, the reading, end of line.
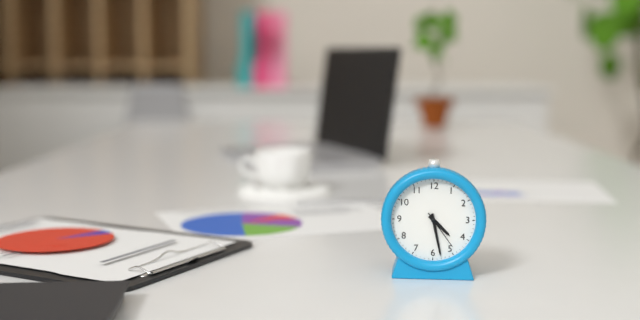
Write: 4:28
